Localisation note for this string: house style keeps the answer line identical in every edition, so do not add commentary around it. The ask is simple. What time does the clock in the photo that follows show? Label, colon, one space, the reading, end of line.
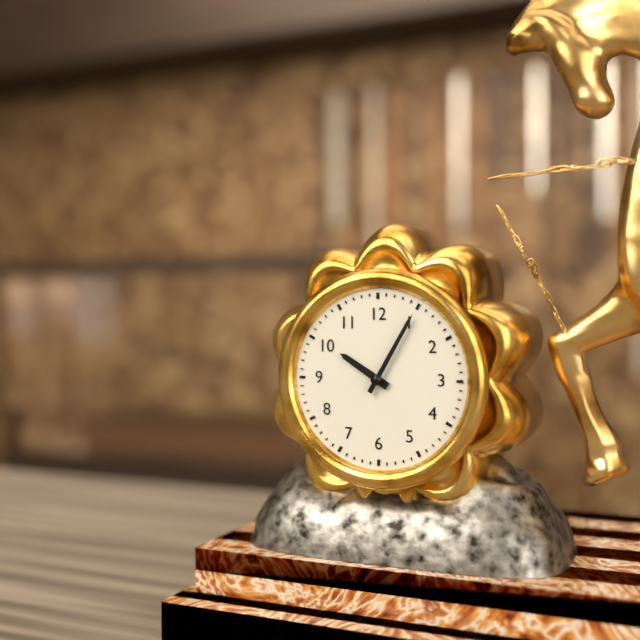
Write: 10:05
